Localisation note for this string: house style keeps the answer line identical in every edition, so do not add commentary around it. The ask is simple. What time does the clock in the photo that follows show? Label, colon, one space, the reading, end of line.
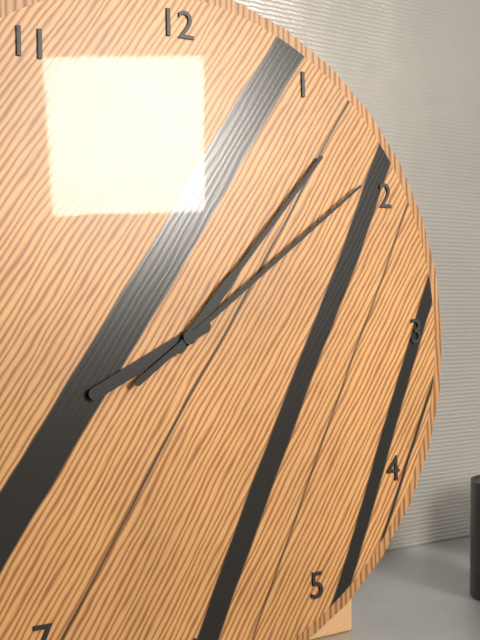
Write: 8:07:09
